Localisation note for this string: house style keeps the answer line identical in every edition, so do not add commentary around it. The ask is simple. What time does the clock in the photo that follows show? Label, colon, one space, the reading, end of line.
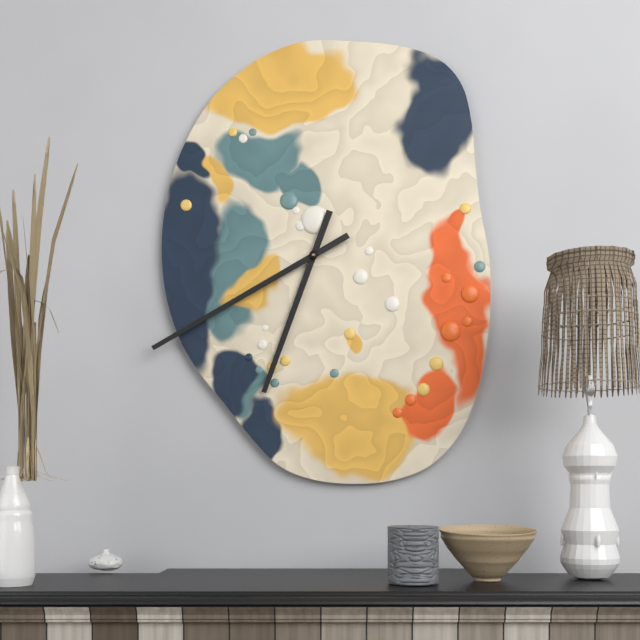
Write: 6:40
